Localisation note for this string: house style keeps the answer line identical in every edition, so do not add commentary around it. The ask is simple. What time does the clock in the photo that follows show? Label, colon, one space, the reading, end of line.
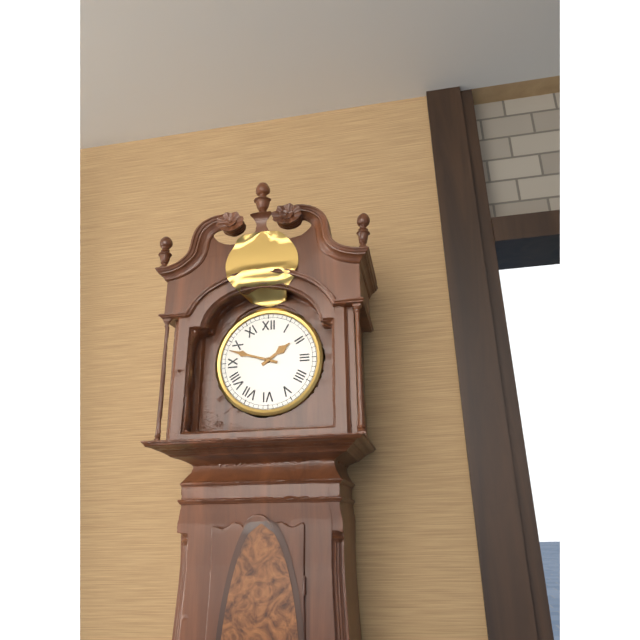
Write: 1:48
